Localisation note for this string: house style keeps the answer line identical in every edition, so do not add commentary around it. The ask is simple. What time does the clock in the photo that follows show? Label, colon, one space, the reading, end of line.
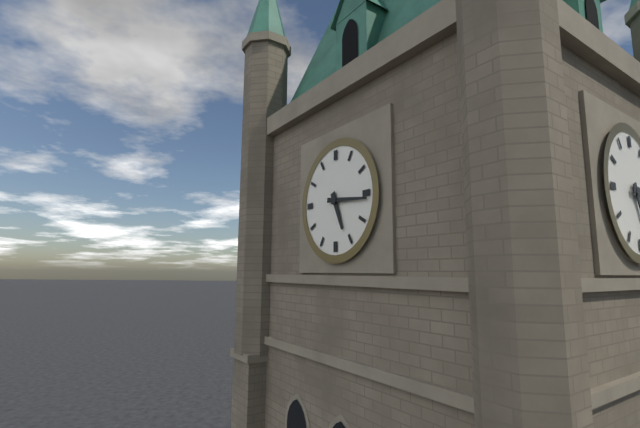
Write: 5:16
